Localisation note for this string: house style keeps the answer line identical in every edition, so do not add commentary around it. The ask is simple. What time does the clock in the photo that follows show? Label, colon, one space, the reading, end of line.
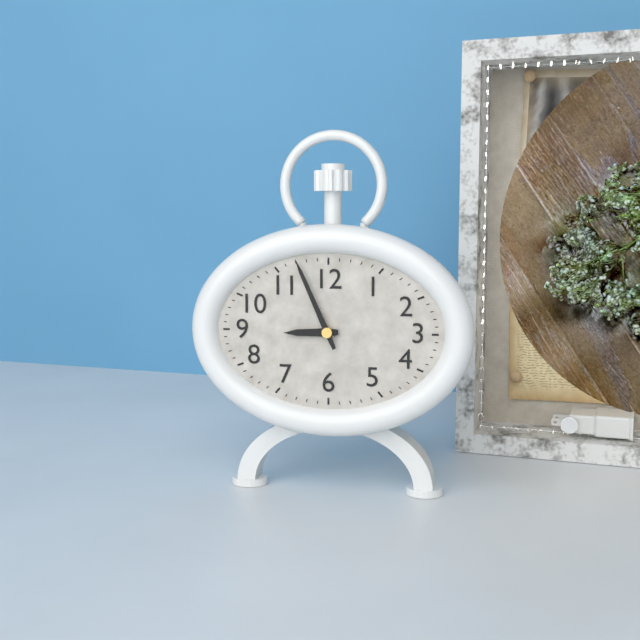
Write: 8:56
